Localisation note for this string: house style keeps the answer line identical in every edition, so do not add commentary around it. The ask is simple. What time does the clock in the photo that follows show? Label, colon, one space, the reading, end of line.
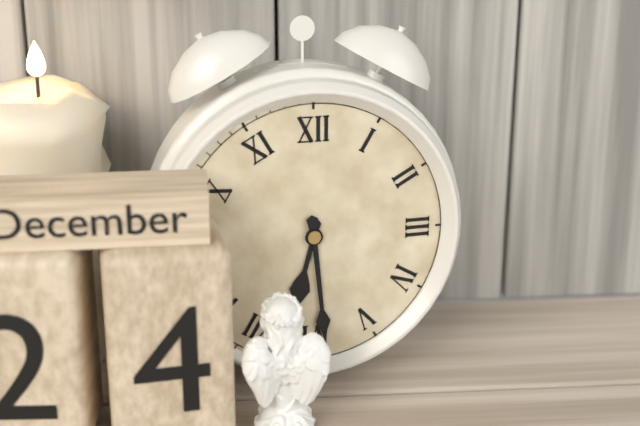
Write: 6:29
